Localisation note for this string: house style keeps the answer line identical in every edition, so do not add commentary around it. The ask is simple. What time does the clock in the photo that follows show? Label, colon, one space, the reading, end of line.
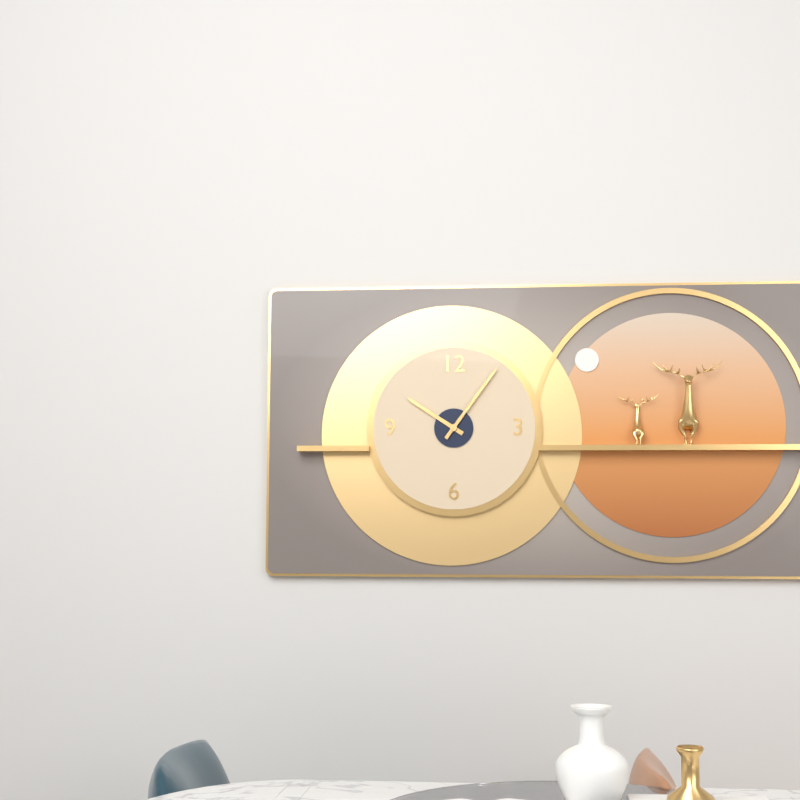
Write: 10:06
